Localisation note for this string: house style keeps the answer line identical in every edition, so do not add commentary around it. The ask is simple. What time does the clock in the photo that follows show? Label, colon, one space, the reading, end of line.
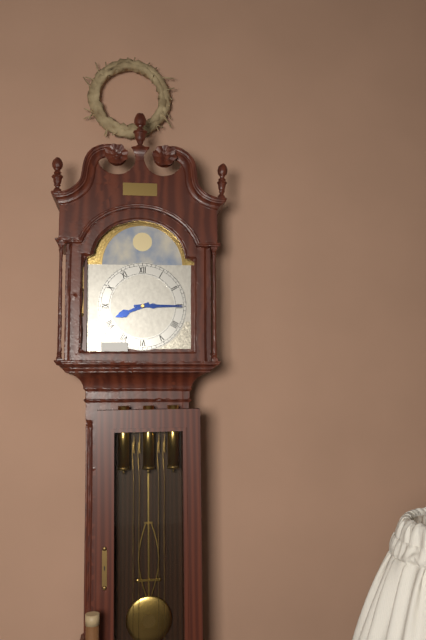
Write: 8:15
